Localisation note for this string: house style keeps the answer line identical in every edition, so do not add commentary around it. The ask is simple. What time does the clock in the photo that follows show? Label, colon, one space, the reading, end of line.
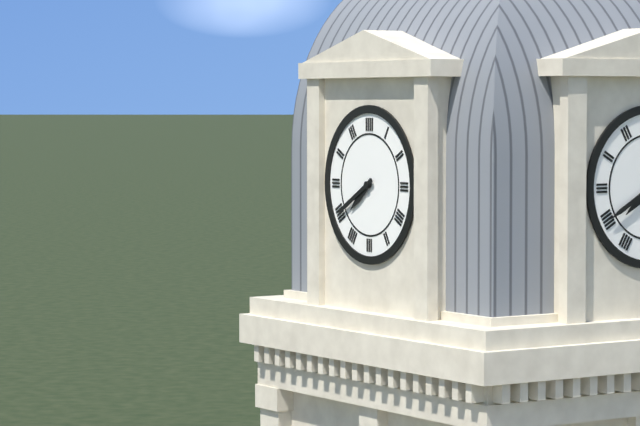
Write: 7:40
